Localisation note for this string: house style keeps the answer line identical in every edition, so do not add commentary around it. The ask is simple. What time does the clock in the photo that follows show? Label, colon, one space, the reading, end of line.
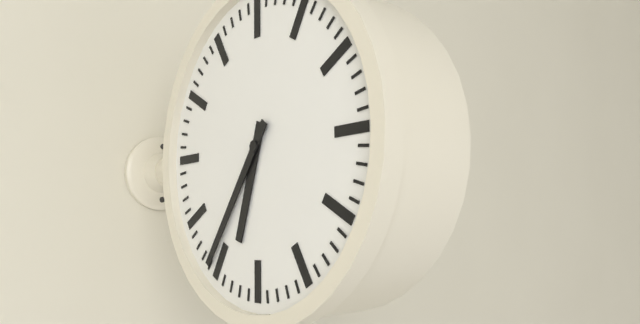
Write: 6:36
